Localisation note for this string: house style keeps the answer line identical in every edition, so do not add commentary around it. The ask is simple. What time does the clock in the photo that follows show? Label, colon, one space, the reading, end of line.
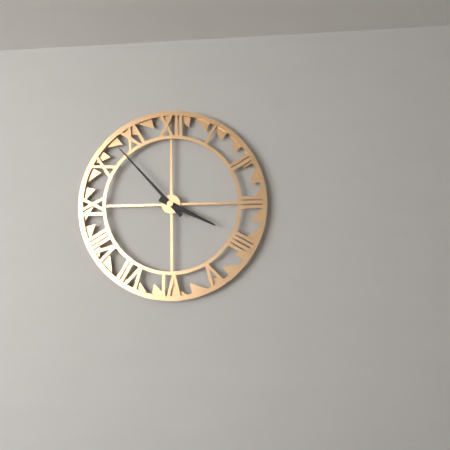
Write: 3:53
